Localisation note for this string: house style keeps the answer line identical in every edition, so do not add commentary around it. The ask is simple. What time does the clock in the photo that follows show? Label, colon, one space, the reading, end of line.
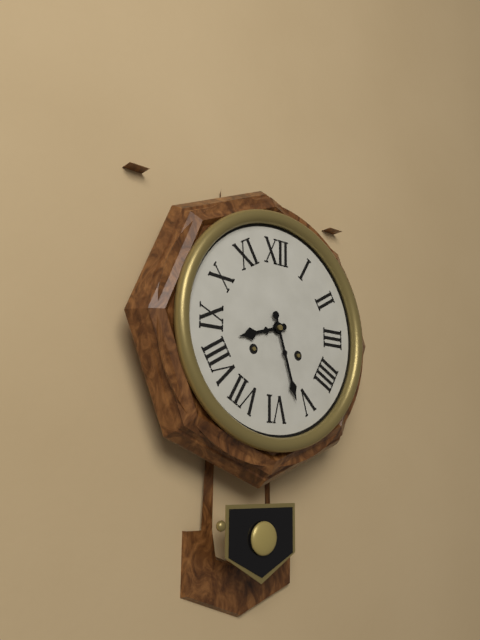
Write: 8:27
